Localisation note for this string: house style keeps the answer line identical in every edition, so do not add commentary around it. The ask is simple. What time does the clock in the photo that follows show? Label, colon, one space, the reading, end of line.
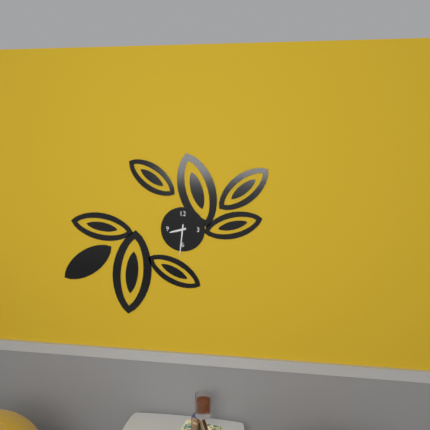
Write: 8:31
